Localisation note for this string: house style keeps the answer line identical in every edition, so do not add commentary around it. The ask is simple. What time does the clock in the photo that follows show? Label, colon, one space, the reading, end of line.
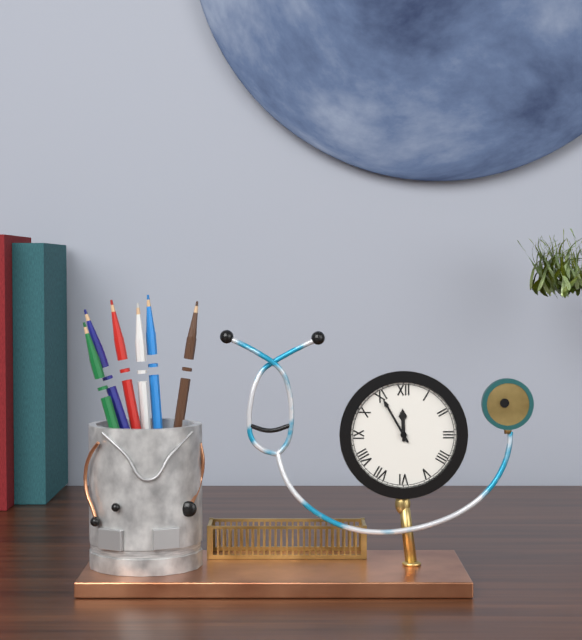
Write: 11:55
